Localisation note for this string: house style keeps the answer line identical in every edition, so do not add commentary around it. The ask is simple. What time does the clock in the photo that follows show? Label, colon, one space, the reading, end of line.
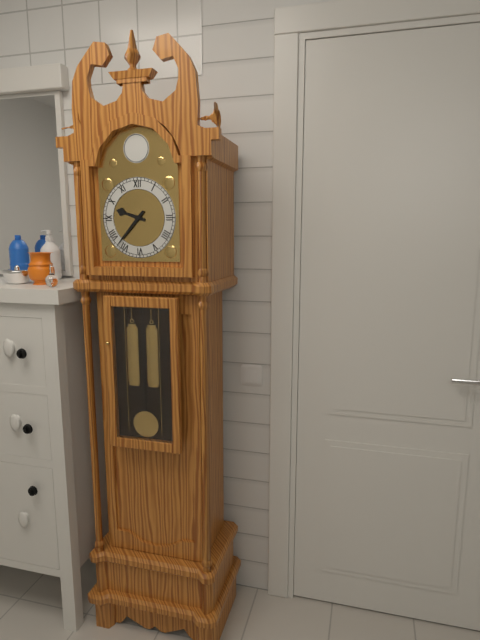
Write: 9:37
